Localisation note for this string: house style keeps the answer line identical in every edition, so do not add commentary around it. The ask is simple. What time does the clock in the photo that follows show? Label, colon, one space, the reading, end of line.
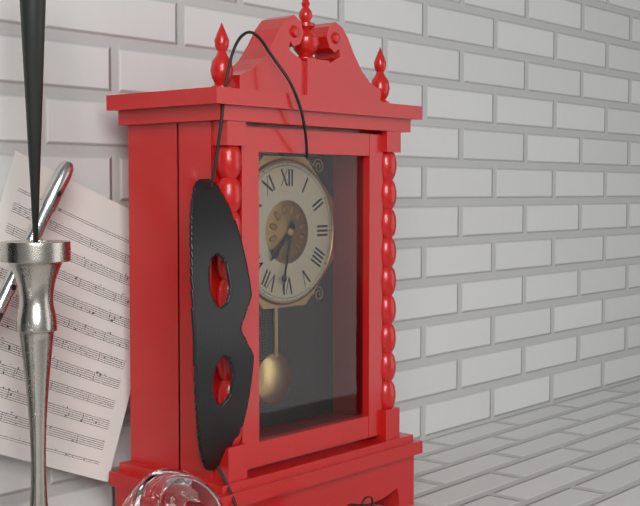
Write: 7:32
